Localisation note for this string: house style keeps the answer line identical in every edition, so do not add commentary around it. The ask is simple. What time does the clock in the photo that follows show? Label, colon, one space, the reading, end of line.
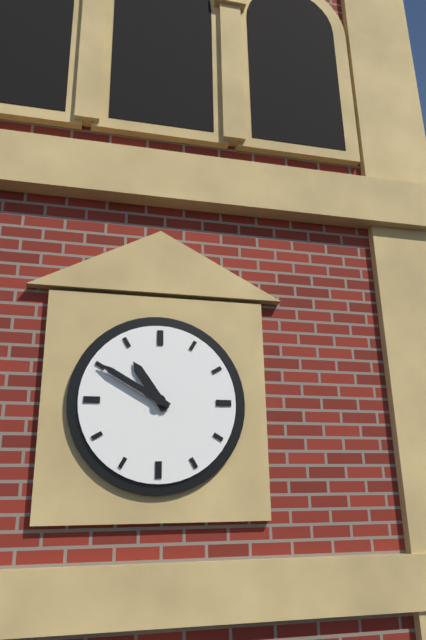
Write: 10:50
